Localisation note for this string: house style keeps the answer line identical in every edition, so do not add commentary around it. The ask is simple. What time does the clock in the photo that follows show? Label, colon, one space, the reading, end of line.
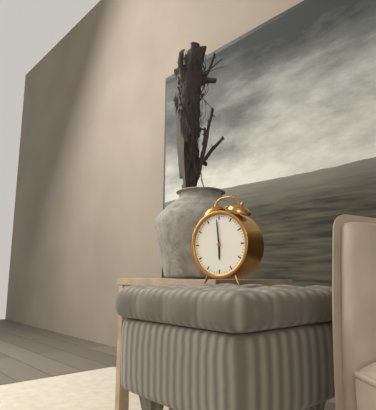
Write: 5:59
